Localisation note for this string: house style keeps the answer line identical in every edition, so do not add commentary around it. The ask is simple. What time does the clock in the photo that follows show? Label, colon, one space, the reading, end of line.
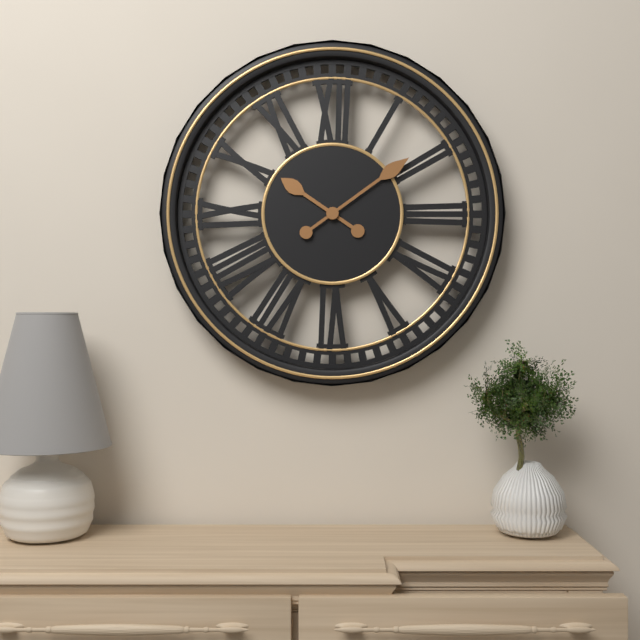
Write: 10:09
